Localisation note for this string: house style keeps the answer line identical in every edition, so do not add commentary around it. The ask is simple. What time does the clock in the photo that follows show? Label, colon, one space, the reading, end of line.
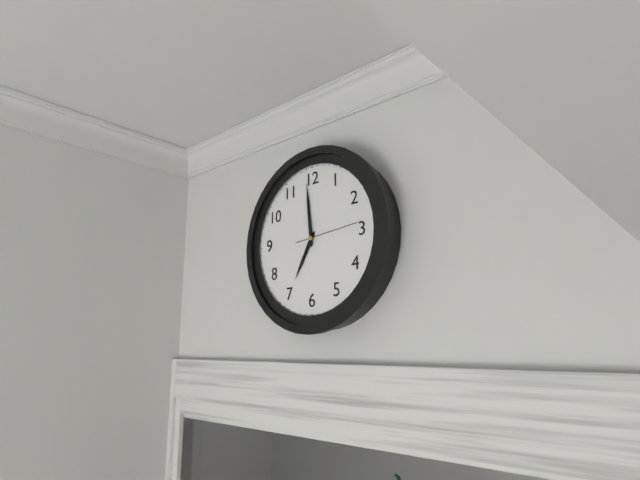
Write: 6:59:14
